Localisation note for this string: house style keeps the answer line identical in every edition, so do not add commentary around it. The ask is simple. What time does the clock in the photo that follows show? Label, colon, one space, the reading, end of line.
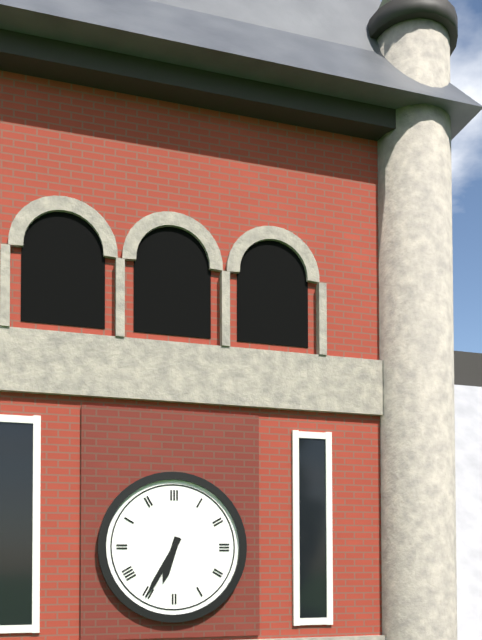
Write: 6:35
